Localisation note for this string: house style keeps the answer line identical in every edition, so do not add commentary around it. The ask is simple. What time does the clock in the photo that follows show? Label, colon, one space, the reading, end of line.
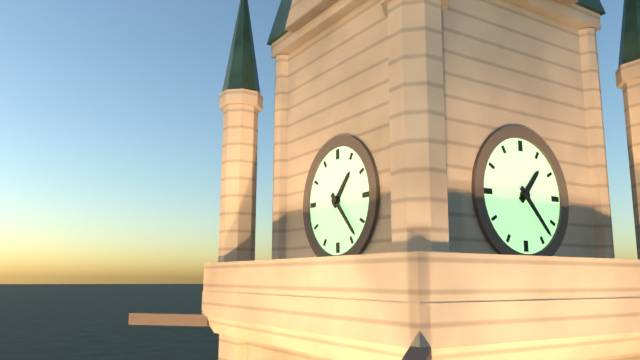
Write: 1:23
